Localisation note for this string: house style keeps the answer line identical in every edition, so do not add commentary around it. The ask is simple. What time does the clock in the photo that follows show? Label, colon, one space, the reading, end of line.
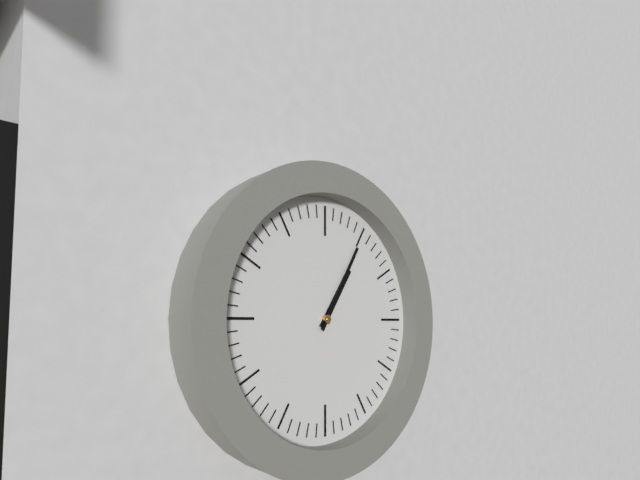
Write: 1:05
